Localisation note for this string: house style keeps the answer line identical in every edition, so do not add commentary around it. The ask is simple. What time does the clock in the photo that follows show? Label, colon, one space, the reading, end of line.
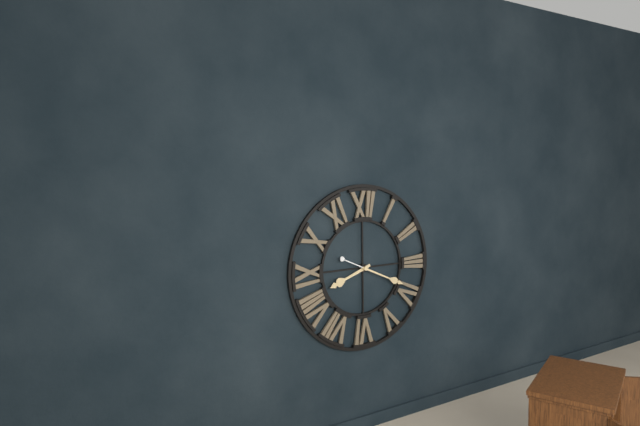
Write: 8:19
